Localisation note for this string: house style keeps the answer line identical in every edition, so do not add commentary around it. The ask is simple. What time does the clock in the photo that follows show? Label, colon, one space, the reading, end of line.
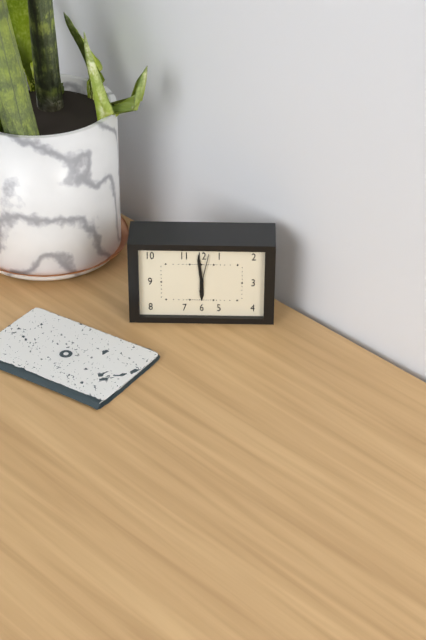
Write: 5:59
